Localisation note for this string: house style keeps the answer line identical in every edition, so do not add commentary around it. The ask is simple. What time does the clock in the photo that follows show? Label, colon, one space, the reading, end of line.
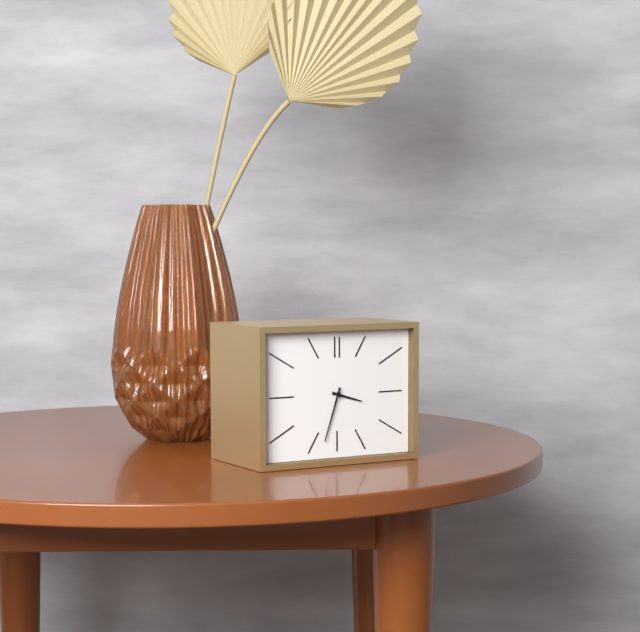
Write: 3:33
